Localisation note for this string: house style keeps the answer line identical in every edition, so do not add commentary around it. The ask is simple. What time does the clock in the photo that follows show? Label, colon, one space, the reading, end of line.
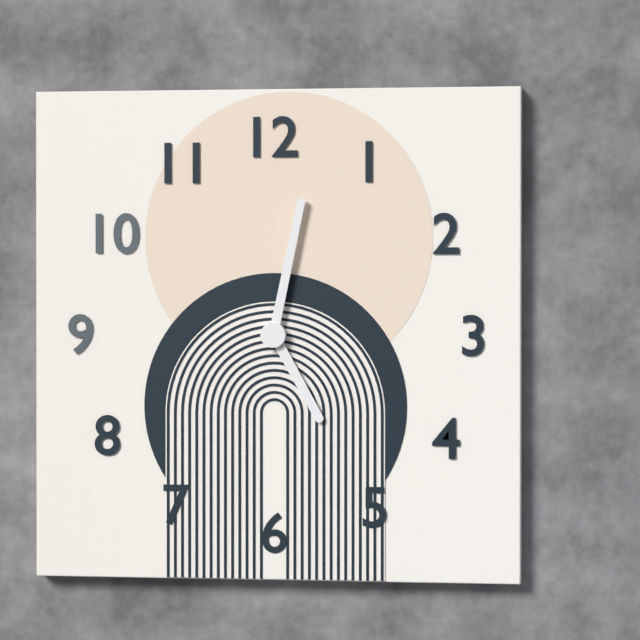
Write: 5:02
